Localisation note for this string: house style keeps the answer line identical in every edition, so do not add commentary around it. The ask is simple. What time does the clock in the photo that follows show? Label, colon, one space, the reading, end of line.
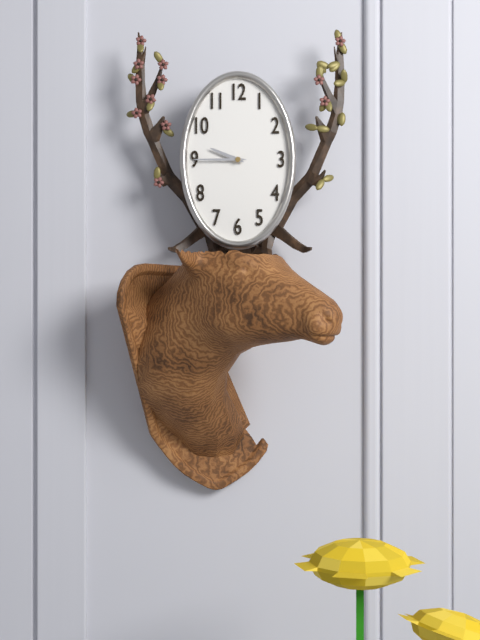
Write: 9:45
